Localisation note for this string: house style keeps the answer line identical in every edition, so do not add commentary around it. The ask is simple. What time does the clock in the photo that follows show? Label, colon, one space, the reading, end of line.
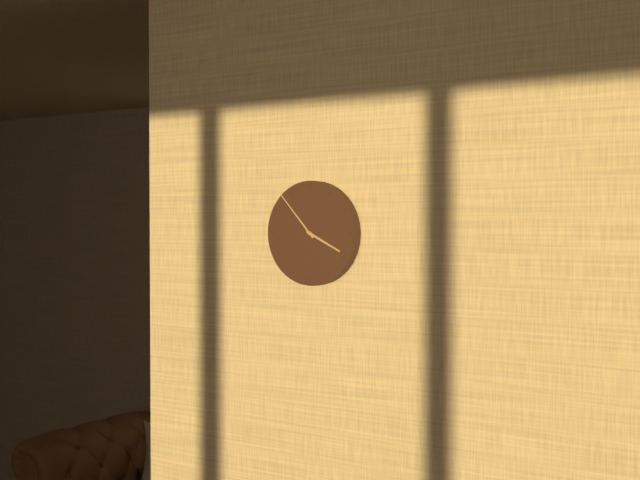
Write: 3:53
